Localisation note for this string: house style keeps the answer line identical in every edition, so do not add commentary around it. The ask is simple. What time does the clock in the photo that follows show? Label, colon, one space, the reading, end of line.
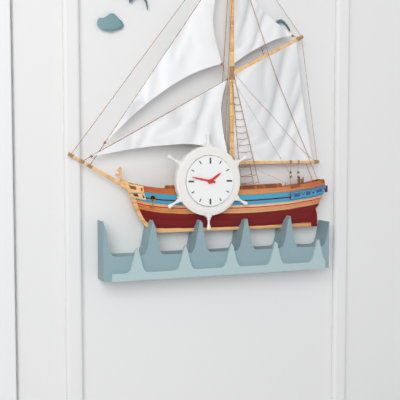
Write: 1:47
